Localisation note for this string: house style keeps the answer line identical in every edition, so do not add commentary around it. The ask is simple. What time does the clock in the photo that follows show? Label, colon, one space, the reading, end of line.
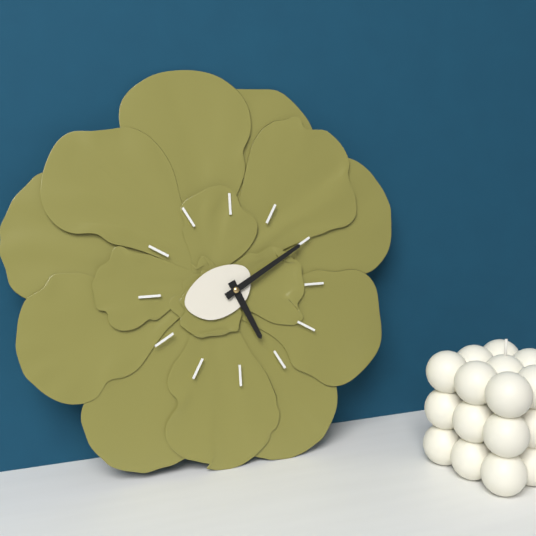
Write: 5:10
